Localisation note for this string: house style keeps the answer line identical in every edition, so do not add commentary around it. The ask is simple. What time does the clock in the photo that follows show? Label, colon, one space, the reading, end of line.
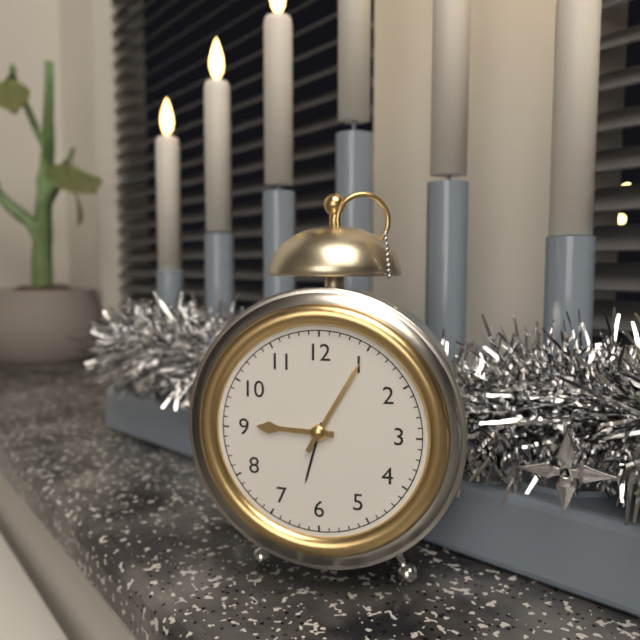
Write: 9:05
